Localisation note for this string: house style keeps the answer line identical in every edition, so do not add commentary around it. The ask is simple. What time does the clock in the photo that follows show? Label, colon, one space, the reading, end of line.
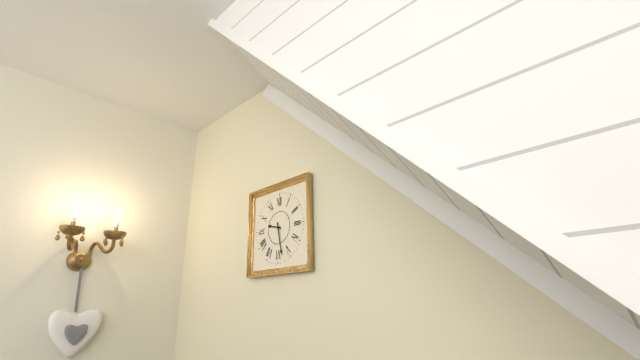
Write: 9:28
